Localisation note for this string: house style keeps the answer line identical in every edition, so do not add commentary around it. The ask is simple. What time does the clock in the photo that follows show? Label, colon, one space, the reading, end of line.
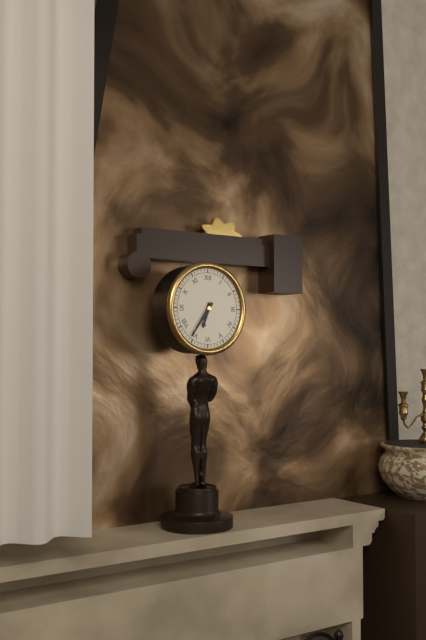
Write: 6:36
